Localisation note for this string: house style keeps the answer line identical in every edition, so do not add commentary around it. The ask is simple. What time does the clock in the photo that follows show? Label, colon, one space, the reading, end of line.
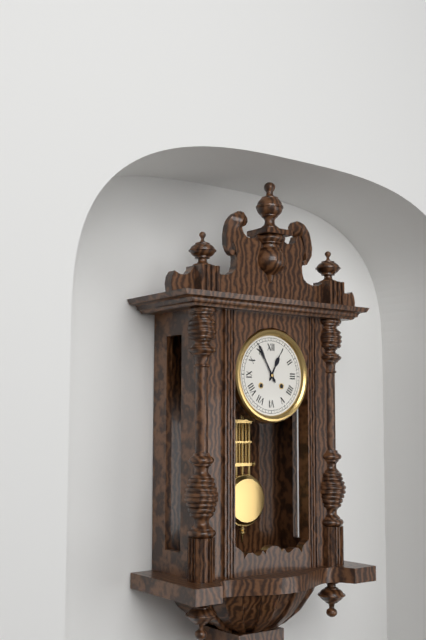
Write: 12:55
